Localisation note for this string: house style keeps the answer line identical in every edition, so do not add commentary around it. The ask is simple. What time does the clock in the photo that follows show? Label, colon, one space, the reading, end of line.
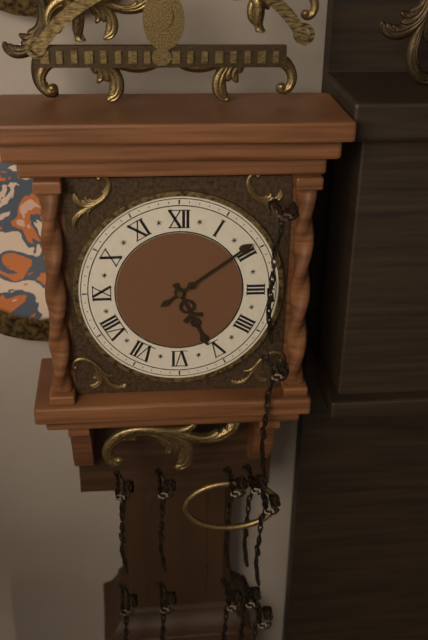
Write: 5:09
